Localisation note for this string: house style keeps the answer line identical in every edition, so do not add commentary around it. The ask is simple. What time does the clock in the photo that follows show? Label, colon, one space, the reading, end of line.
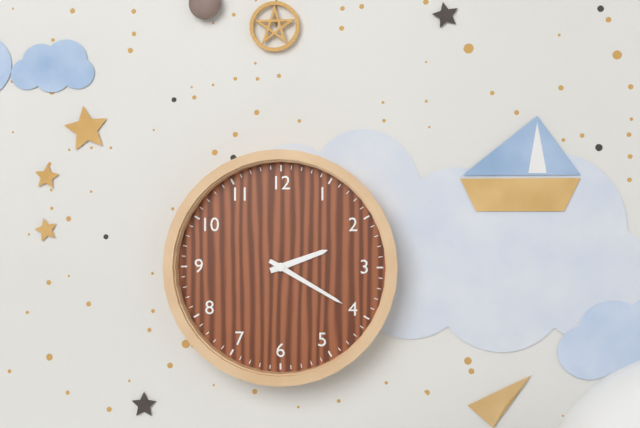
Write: 2:20
